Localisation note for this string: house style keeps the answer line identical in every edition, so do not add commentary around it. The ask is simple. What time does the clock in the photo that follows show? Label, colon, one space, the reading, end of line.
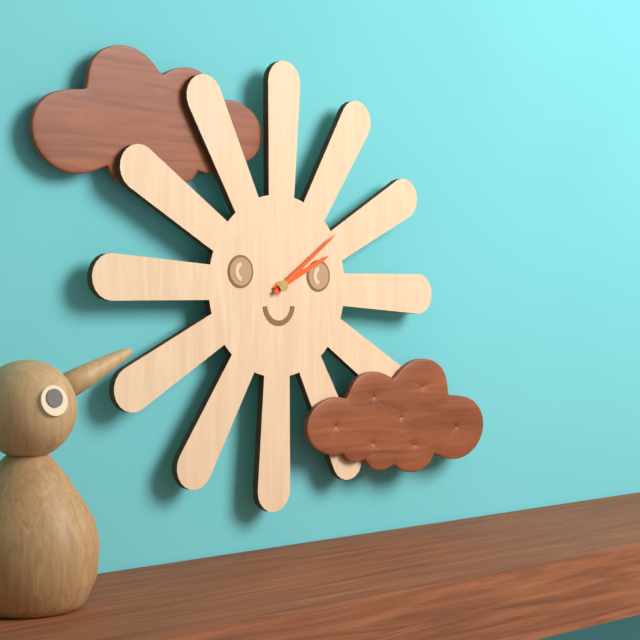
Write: 2:09
